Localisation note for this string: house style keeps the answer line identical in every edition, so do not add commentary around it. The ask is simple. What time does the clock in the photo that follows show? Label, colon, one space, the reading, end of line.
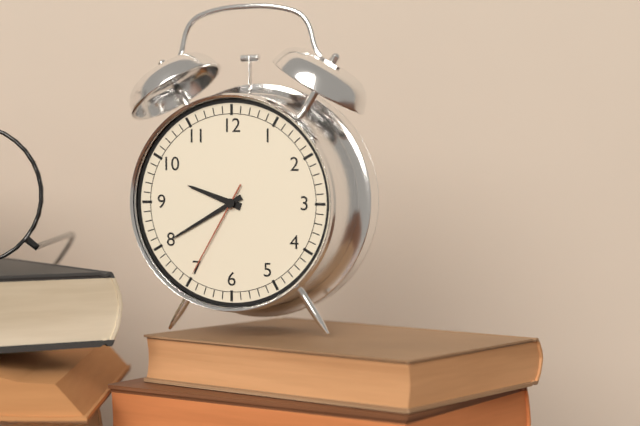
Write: 9:40:35
